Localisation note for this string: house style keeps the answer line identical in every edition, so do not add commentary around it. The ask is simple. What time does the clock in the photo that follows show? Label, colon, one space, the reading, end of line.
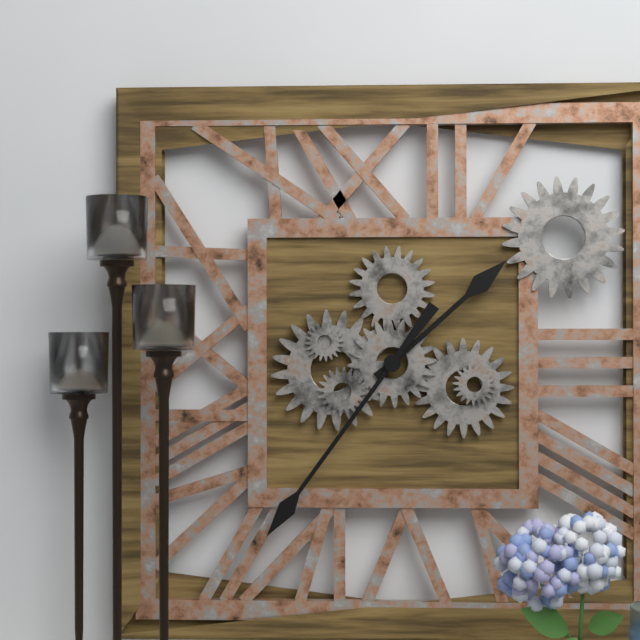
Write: 1:36
